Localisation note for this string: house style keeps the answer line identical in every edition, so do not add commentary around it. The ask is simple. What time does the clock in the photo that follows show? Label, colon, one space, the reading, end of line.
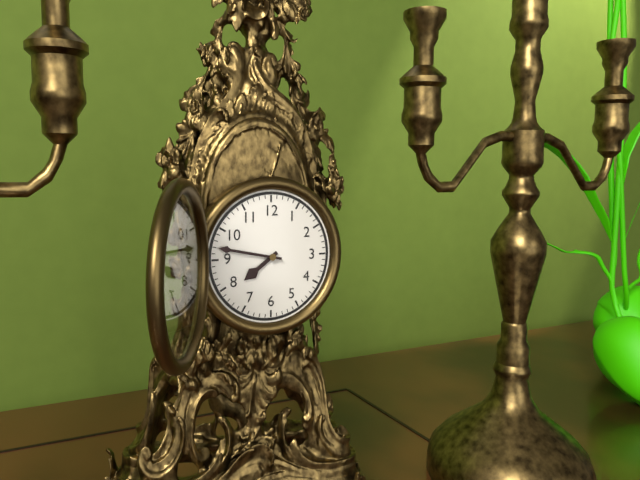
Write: 7:47
